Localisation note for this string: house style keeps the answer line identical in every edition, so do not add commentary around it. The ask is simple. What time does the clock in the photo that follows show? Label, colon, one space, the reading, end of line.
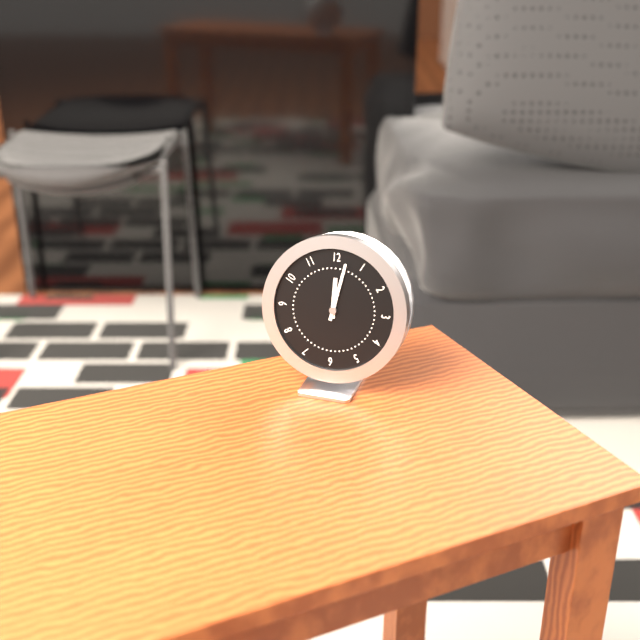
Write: 12:02
